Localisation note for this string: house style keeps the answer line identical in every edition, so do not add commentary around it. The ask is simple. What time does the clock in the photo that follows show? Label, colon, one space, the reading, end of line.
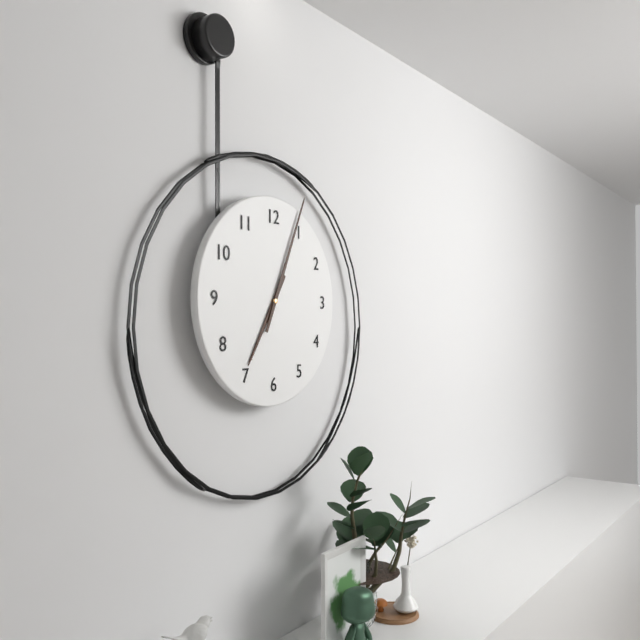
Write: 7:04
